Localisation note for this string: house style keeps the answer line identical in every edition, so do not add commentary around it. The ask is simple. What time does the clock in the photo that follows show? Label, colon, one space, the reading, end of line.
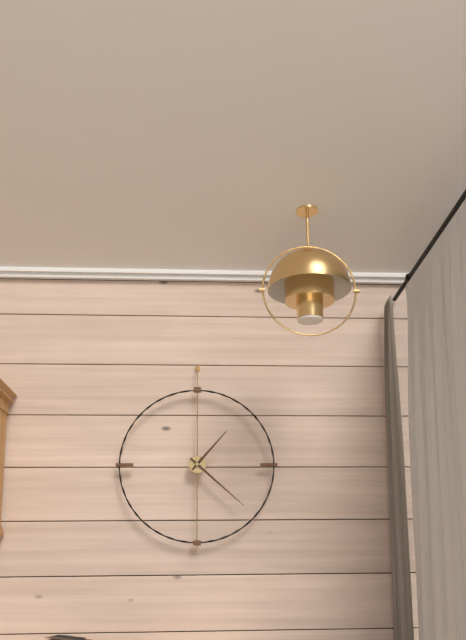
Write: 1:22
